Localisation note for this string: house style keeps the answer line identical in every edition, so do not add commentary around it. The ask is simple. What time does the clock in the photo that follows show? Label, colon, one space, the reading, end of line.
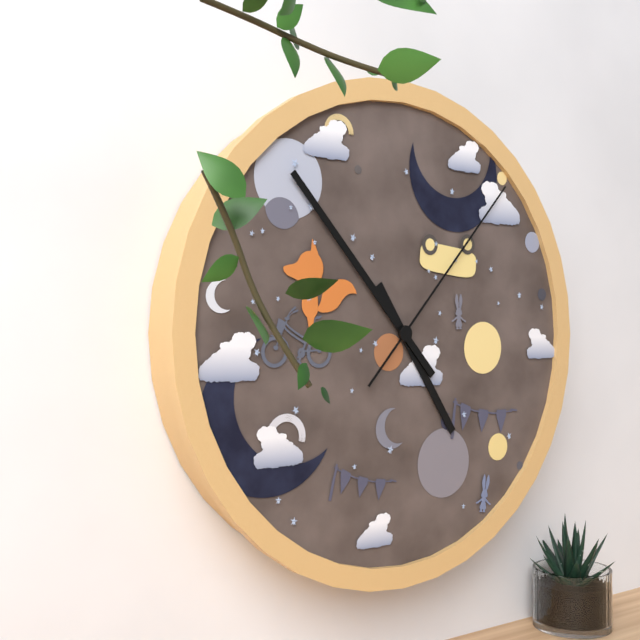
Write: 4:53:07
